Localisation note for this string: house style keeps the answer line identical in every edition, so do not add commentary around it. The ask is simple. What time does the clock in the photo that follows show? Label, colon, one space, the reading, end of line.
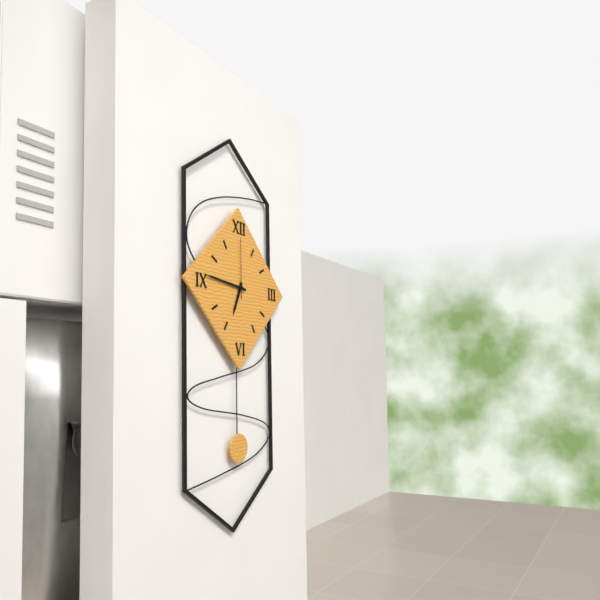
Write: 6:46:00
